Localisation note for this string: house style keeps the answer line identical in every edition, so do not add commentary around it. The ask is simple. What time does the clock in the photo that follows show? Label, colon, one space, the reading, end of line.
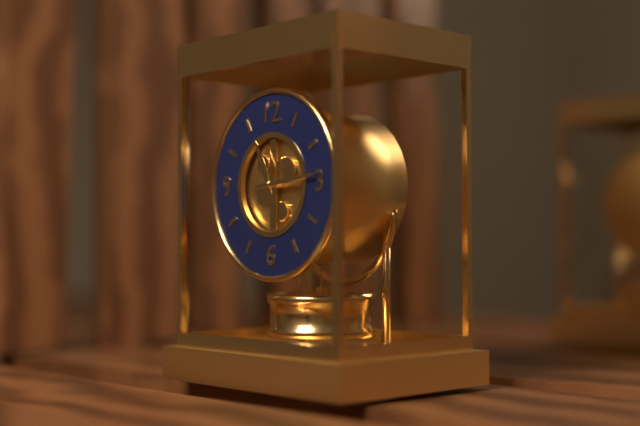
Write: 11:14
